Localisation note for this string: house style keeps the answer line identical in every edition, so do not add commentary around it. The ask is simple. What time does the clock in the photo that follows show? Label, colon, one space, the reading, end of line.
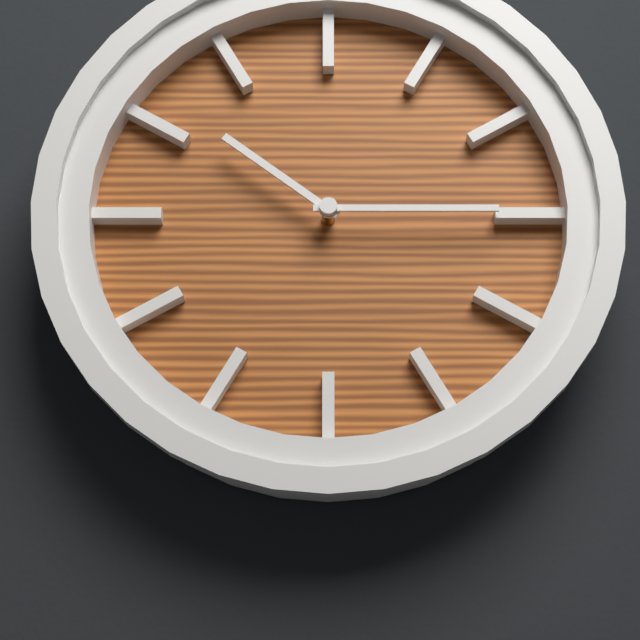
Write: 10:15
